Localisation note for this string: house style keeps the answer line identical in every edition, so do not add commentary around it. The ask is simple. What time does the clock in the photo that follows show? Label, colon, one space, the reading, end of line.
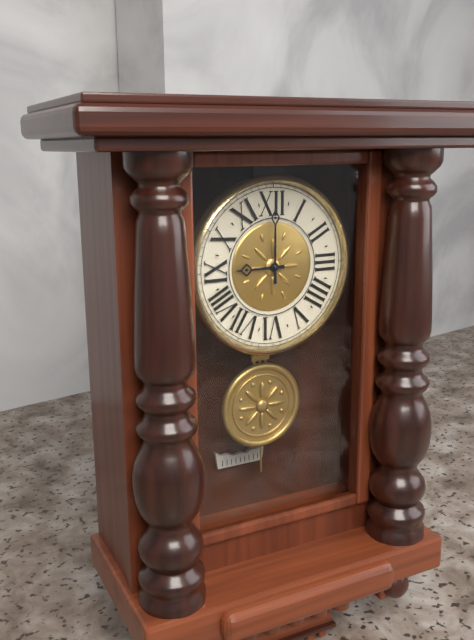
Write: 9:00
